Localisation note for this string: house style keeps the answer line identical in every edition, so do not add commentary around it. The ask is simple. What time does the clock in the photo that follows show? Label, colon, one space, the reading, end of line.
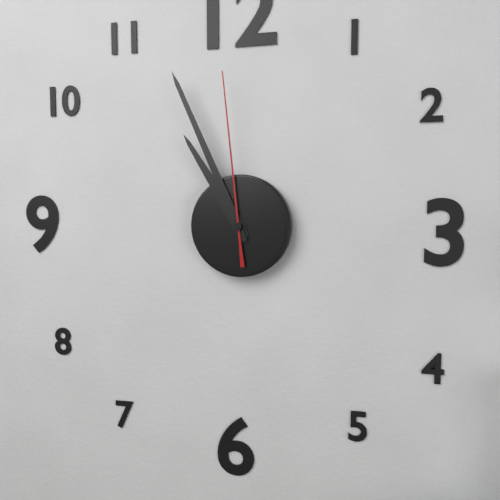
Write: 10:56:59
